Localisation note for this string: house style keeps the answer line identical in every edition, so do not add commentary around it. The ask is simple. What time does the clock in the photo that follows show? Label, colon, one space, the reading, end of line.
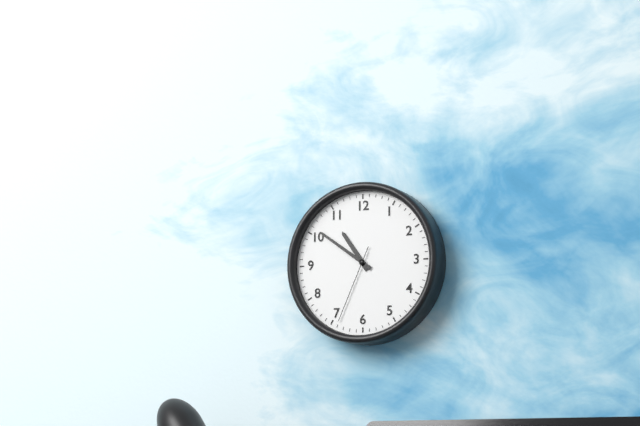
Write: 10:51:34
